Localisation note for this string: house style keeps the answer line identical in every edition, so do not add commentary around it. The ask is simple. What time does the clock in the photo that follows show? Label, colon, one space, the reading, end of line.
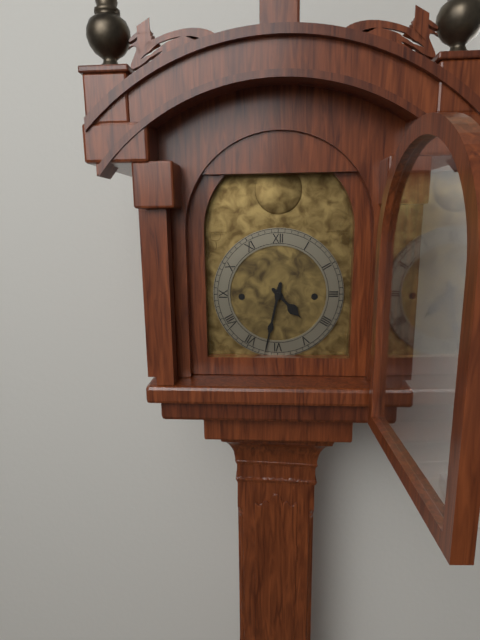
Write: 4:32
